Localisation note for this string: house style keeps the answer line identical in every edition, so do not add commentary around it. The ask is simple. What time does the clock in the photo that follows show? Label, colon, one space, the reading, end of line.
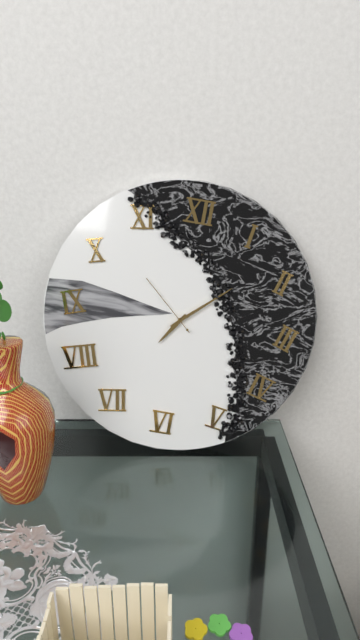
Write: 7:08:52
